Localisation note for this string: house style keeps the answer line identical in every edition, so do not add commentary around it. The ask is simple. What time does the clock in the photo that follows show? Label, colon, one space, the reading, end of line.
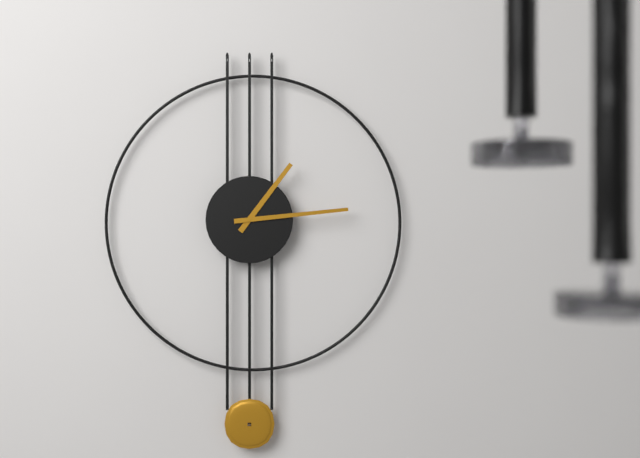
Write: 1:14
